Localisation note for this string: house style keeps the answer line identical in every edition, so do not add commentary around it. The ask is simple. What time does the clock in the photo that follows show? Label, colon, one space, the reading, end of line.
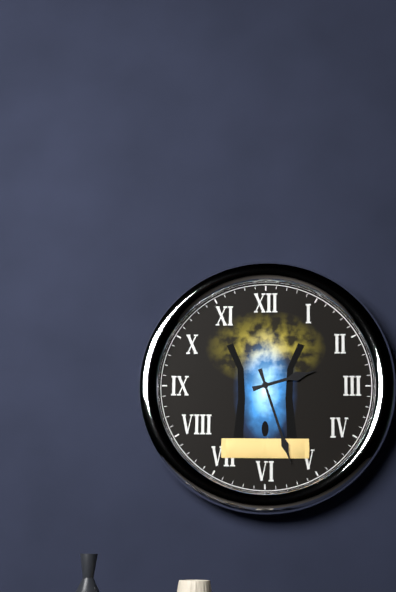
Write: 2:27
